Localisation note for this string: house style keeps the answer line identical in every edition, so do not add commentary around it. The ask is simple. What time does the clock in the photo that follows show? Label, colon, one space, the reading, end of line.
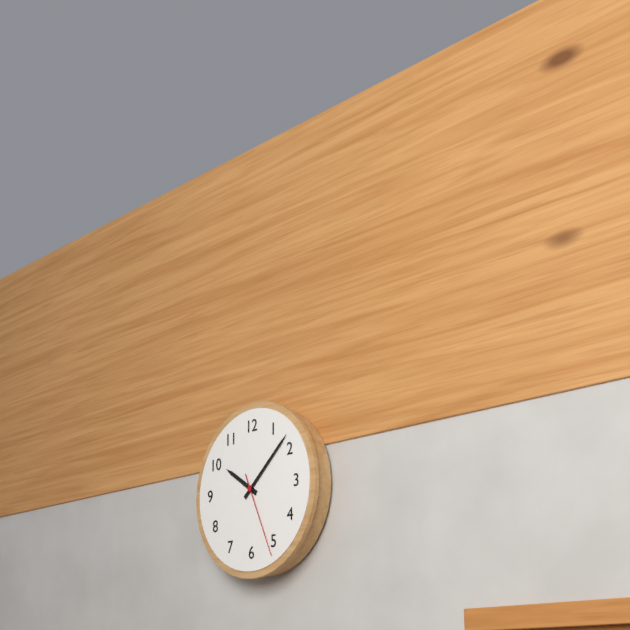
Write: 10:08:26
